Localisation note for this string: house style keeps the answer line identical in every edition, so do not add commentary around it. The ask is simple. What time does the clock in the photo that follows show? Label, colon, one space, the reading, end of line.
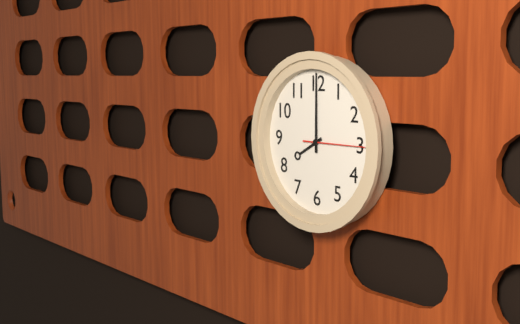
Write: 8:00:15
